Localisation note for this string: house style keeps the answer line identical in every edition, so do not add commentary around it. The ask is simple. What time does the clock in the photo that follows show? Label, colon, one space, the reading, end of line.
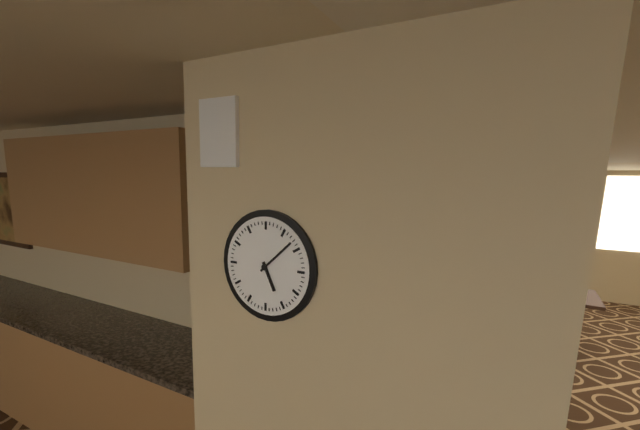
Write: 5:08
